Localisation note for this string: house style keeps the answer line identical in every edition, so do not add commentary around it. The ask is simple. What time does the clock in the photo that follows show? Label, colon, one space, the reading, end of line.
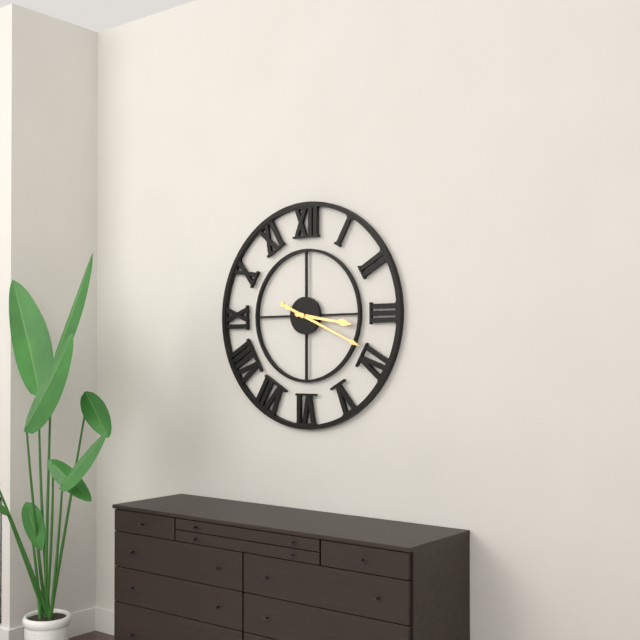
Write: 3:19
